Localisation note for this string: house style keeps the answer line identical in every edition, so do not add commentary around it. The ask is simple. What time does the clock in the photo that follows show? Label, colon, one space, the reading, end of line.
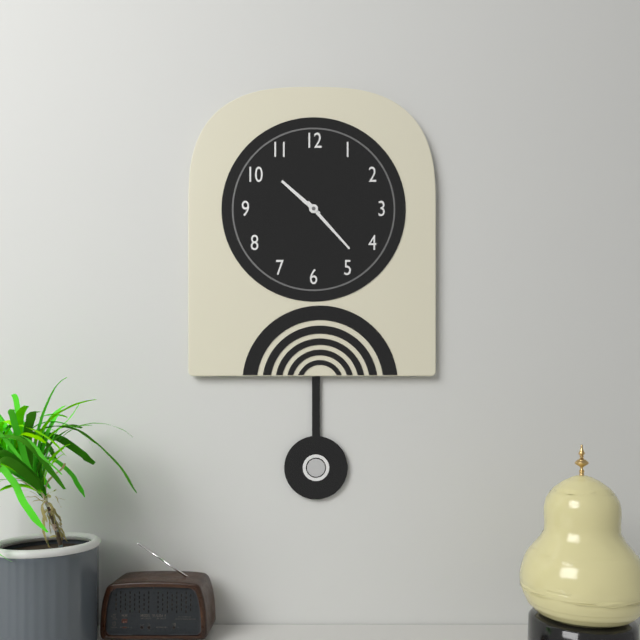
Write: 10:23
